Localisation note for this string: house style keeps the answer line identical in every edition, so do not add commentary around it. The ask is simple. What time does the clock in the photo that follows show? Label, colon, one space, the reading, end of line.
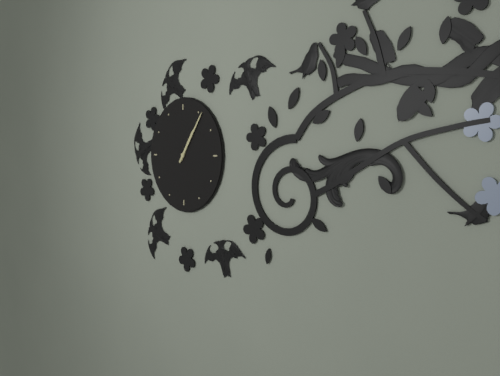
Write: 1:06
